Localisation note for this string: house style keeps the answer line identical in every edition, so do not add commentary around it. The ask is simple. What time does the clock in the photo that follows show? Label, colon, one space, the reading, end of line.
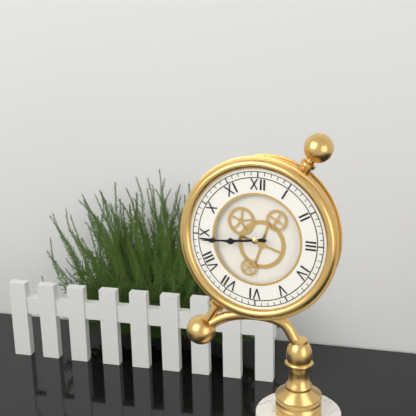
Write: 8:44
